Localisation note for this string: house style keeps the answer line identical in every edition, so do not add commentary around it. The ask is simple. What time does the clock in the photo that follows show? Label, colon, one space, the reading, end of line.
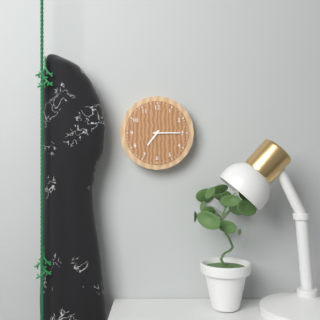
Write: 7:15
